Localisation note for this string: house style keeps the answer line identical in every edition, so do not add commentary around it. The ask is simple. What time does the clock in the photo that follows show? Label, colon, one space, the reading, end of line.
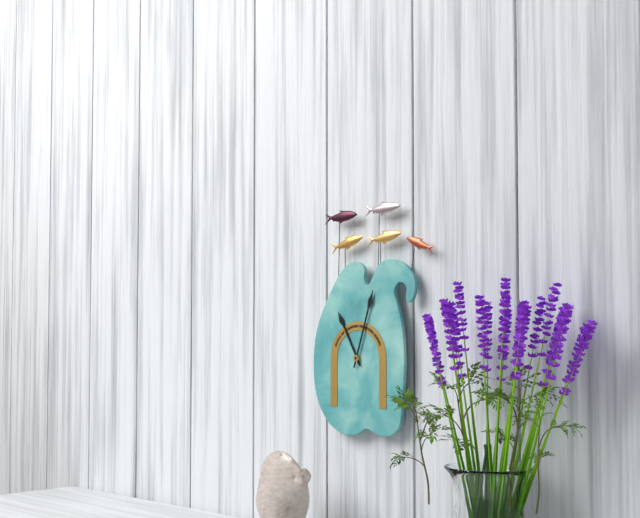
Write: 11:03
